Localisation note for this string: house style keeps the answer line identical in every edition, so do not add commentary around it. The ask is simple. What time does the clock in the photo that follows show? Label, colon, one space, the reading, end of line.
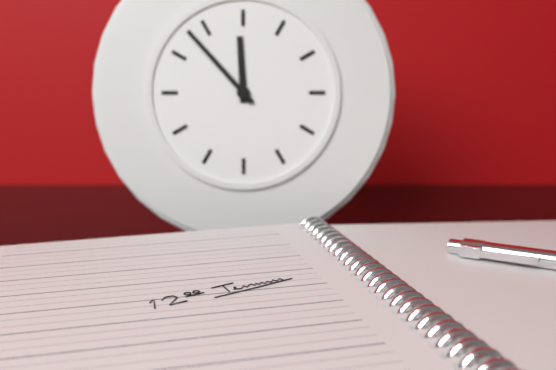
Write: 11:53
